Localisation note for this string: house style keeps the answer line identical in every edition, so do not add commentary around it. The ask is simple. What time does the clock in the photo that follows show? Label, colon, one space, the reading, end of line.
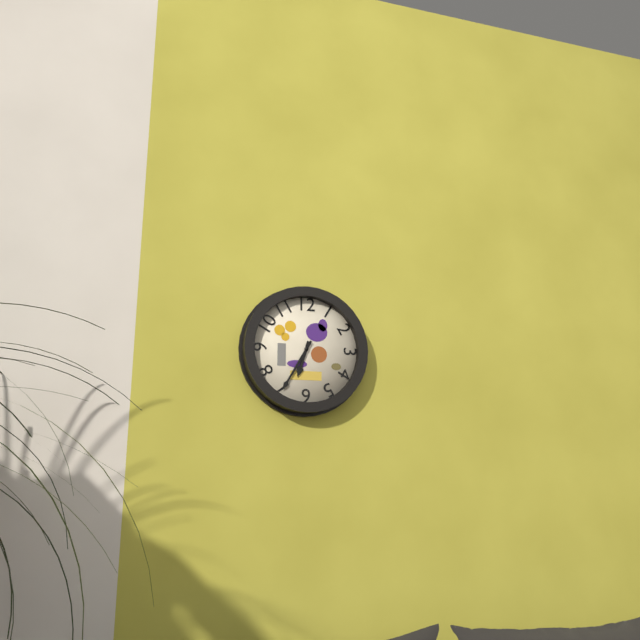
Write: 6:35
